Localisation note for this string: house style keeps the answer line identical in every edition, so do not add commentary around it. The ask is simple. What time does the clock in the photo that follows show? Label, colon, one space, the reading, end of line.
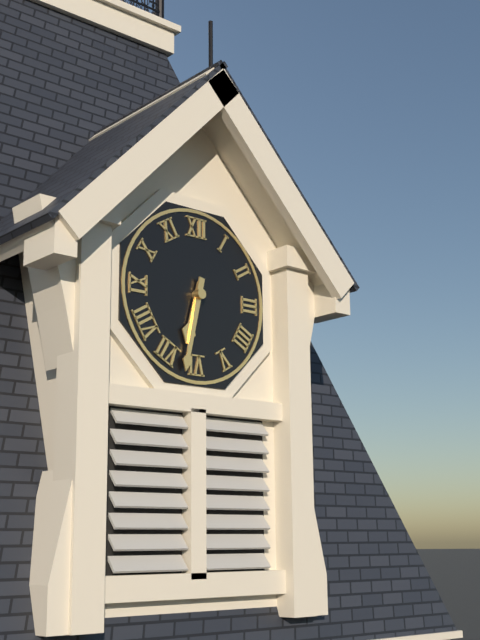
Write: 6:32
